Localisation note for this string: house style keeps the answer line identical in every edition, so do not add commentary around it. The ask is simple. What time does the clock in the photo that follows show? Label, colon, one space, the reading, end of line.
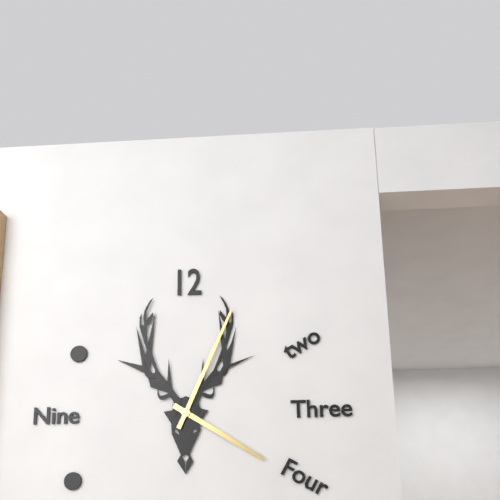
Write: 4:04
